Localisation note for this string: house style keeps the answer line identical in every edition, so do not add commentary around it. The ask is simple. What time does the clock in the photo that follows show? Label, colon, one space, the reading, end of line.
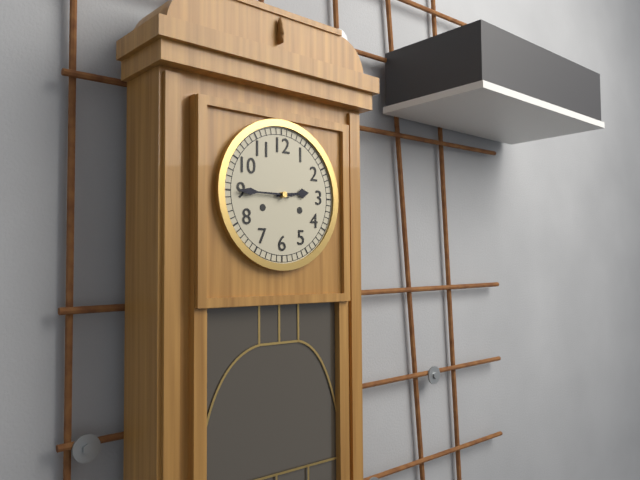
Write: 2:45
